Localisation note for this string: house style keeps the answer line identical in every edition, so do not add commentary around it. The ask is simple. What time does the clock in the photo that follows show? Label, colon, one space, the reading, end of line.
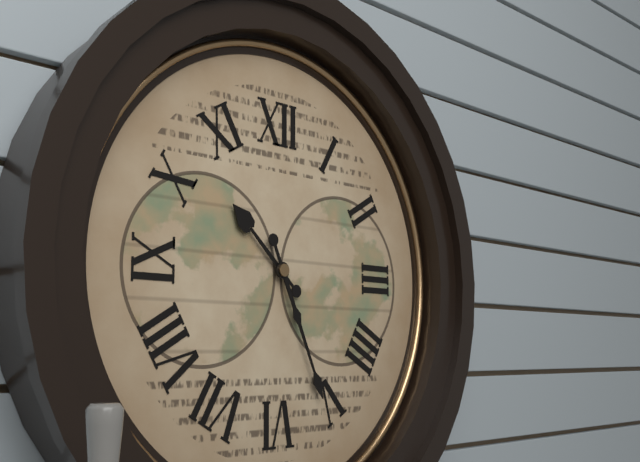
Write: 10:26
